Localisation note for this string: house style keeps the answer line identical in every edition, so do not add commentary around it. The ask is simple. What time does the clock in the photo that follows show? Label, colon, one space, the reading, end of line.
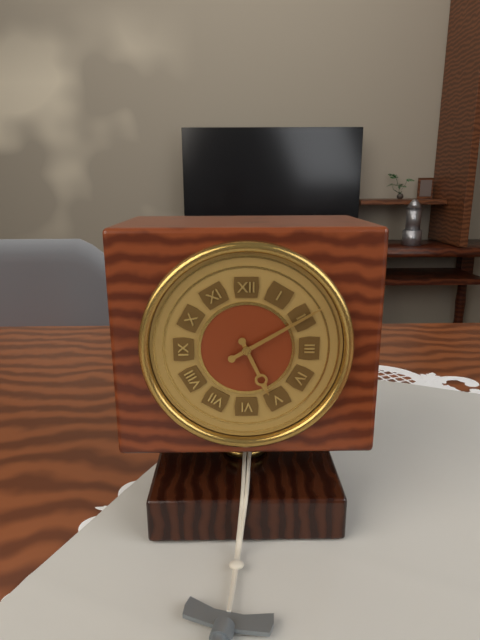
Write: 5:10
